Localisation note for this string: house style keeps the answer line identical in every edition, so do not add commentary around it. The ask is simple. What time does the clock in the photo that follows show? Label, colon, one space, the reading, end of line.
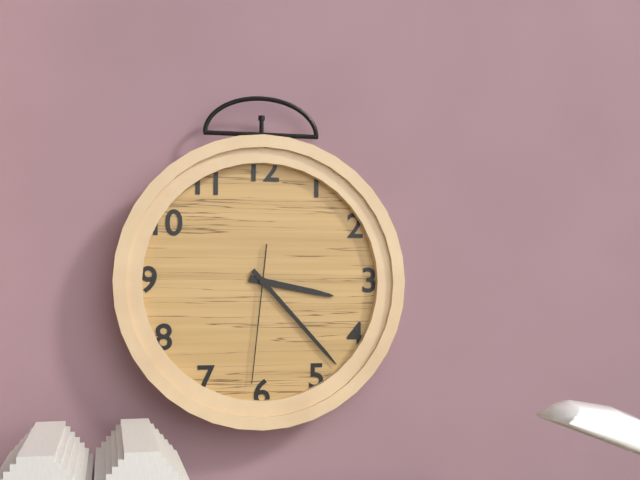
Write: 3:23:31
